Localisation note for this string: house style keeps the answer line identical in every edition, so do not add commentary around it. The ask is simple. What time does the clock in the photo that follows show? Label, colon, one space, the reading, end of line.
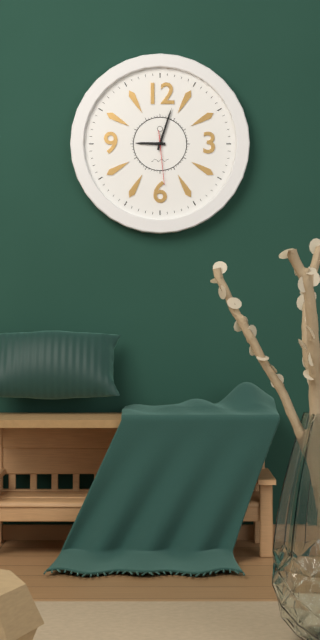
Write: 9:03:29
